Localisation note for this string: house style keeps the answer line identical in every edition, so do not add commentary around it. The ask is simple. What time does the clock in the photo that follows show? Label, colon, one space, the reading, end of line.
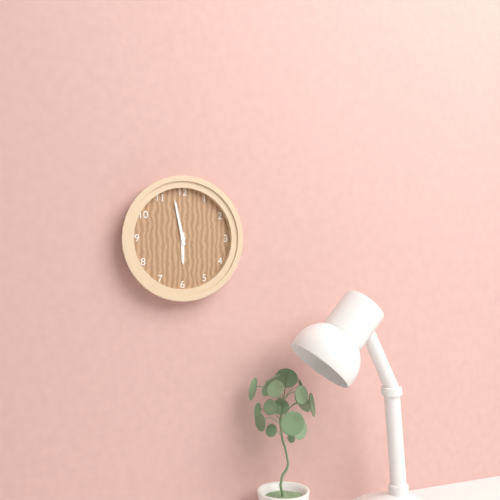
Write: 5:58
